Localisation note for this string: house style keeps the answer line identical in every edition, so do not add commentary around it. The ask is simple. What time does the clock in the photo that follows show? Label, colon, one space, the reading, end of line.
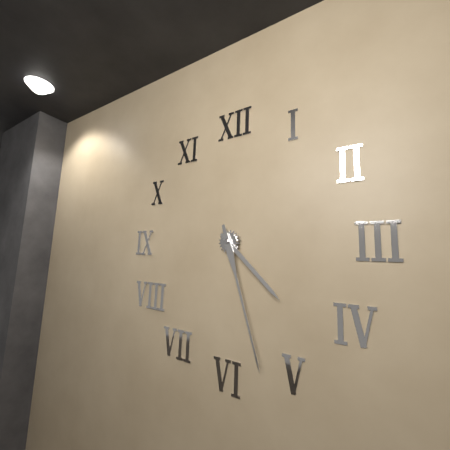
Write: 4:27
